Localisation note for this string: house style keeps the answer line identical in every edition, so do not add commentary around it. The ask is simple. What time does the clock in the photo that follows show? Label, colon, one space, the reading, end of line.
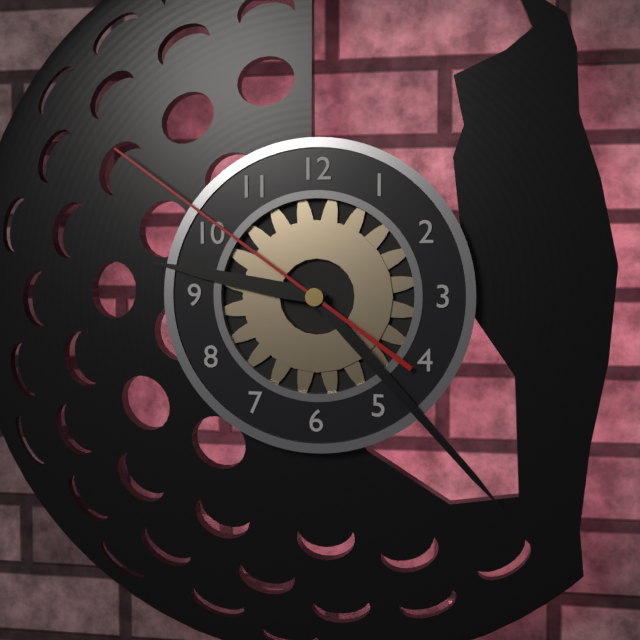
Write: 9:23:51
